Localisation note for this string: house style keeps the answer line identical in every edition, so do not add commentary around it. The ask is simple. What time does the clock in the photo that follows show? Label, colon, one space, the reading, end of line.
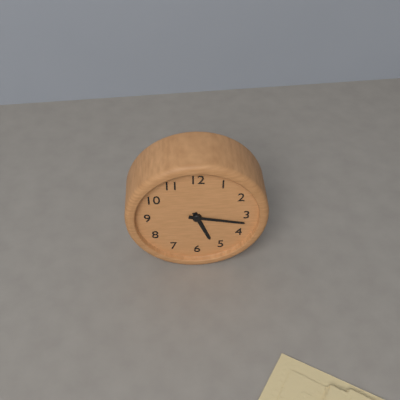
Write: 5:17
